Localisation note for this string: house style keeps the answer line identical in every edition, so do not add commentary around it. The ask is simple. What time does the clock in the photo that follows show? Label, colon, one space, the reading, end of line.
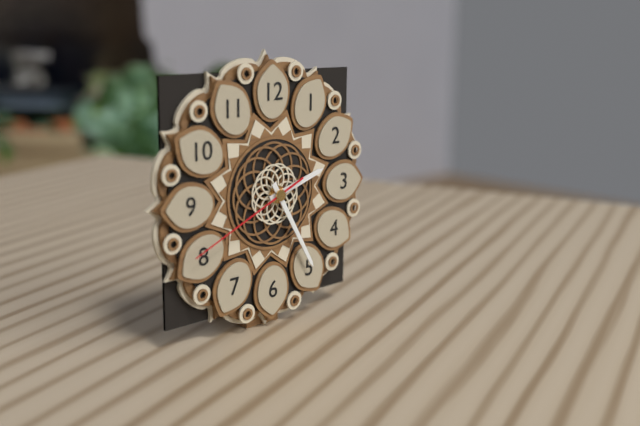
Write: 2:25:41
